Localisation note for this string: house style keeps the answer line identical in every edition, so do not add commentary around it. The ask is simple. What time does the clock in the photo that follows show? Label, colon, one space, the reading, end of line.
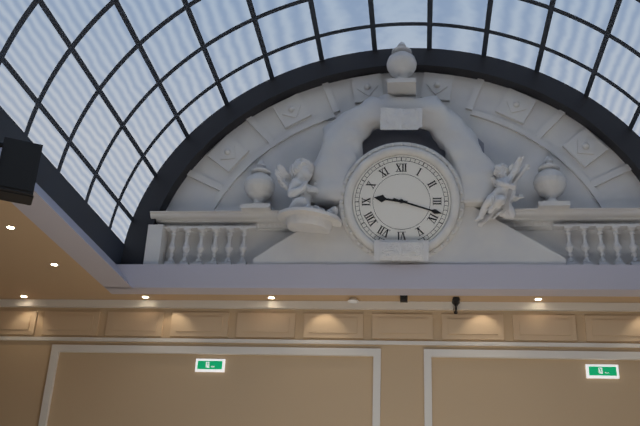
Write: 9:18
